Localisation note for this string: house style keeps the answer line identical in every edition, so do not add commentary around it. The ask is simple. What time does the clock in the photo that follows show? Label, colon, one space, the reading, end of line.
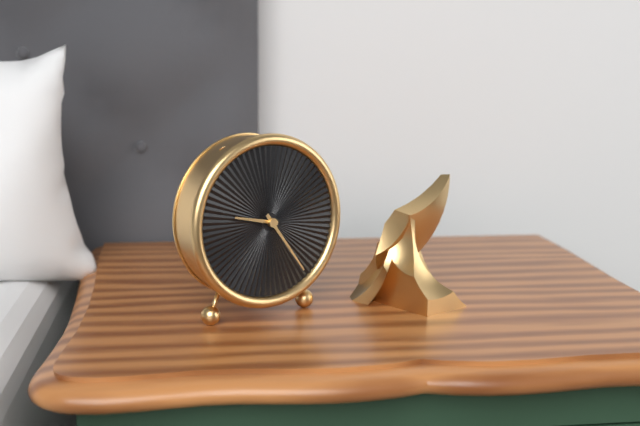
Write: 9:24
